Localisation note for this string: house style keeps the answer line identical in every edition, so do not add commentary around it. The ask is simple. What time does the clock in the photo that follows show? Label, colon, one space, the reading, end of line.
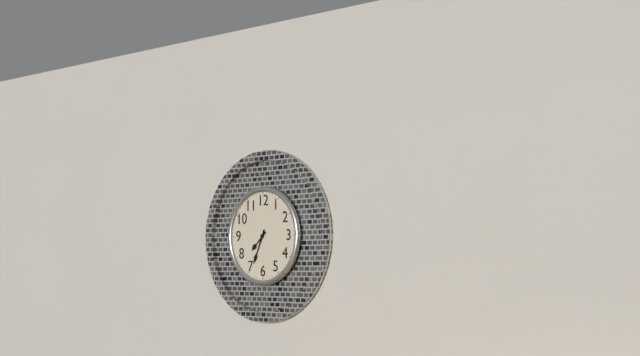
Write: 7:34
